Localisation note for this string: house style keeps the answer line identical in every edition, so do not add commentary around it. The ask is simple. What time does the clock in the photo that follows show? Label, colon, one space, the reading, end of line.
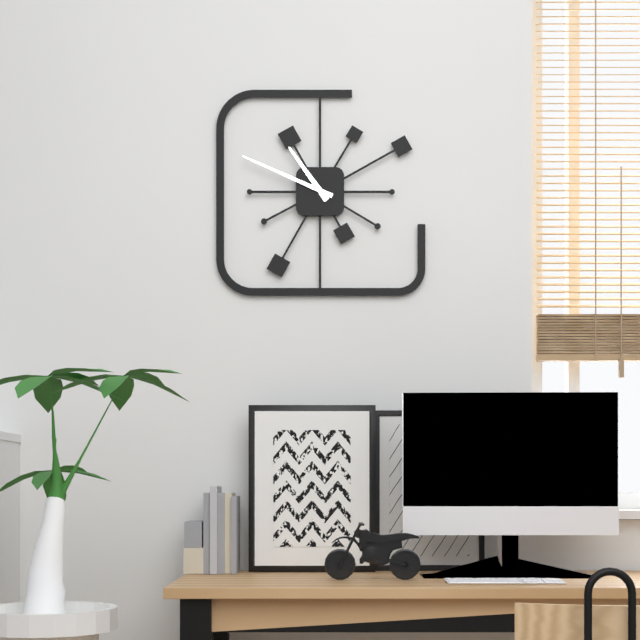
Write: 10:49
